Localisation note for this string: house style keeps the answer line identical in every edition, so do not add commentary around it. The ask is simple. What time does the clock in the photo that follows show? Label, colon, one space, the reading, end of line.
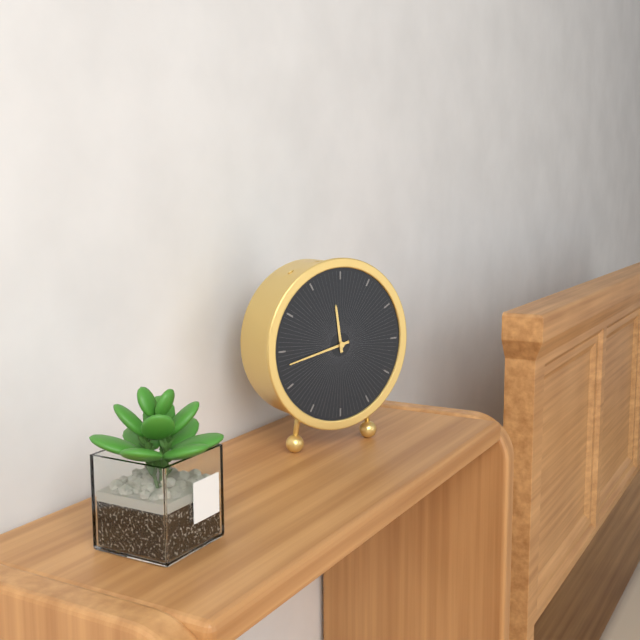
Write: 11:43
